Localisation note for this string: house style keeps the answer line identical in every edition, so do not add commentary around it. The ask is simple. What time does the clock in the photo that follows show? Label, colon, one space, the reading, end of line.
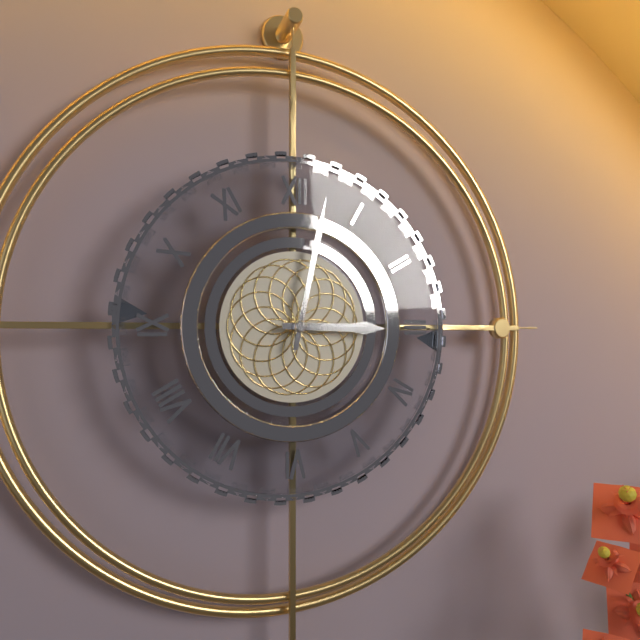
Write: 3:02
